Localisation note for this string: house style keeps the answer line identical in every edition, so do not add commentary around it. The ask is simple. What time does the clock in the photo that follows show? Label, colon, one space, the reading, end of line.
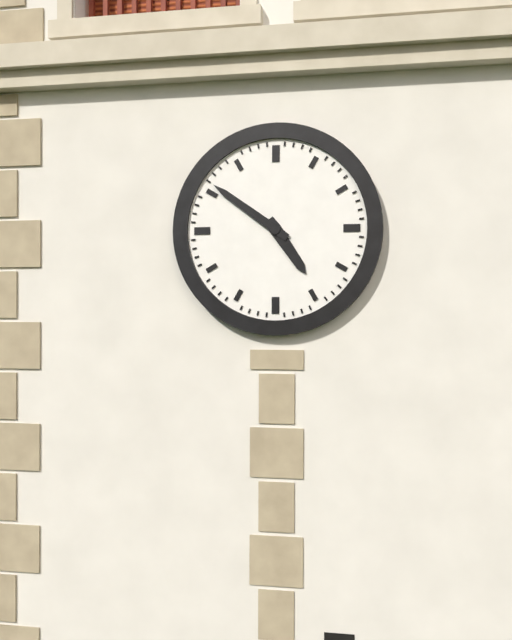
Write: 4:51
